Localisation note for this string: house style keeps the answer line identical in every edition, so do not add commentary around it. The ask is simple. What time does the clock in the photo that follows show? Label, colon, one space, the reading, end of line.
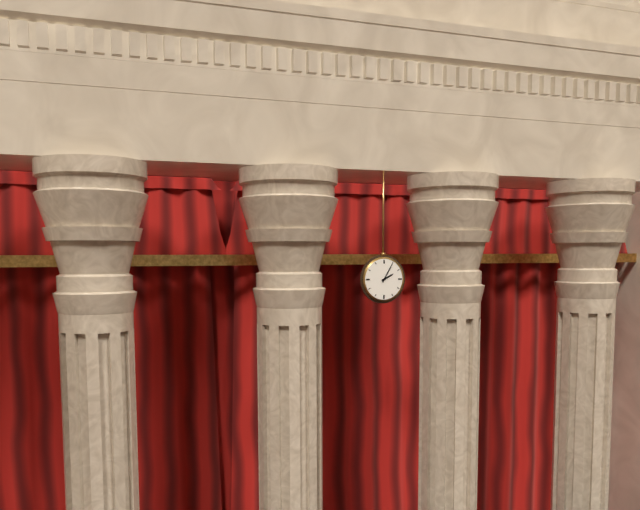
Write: 2:05
